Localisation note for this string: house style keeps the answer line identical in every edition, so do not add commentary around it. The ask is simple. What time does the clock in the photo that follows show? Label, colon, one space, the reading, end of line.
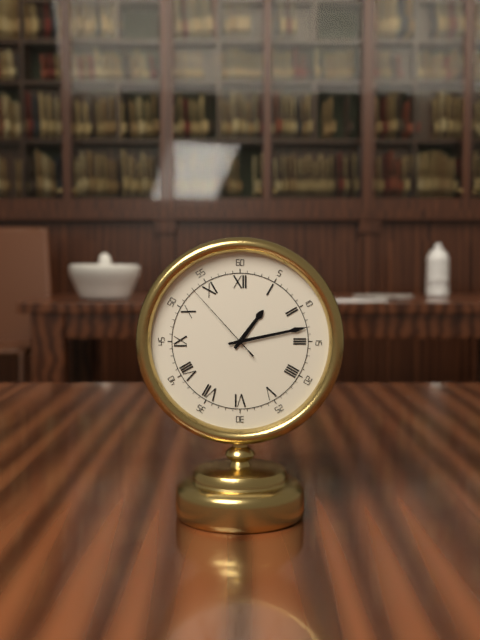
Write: 1:13:53
